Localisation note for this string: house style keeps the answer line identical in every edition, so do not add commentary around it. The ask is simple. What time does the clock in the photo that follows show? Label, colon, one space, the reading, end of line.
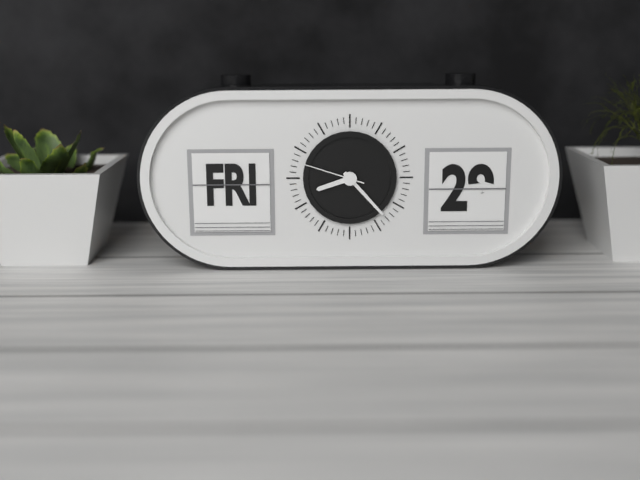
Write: 8:23:48
